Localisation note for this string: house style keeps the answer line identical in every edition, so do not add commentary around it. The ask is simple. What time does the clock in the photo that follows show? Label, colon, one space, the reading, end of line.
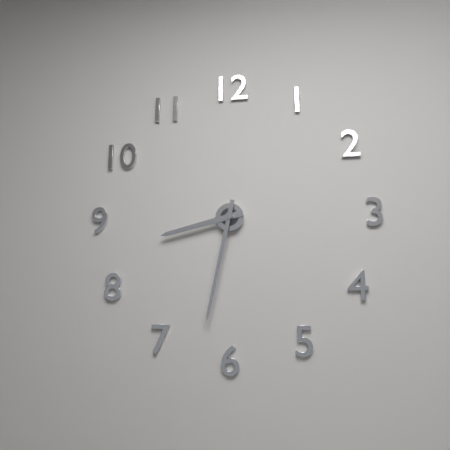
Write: 8:32
